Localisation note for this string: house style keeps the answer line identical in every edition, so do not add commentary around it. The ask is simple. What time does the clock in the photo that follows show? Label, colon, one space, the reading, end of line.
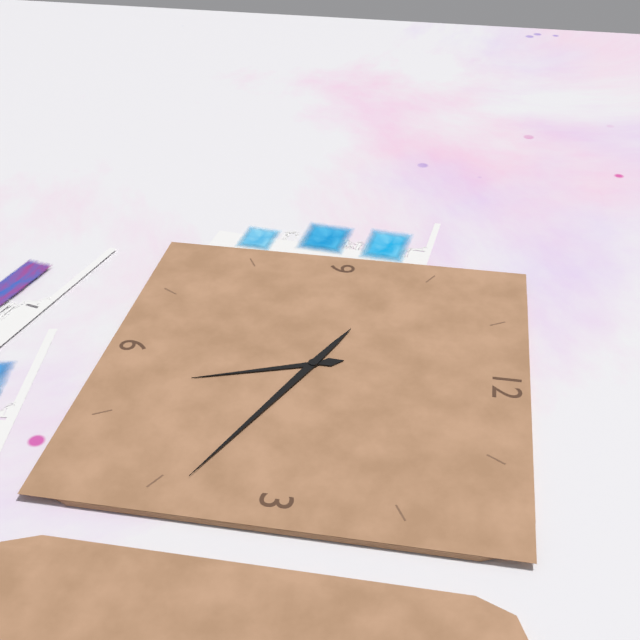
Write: 5:19
